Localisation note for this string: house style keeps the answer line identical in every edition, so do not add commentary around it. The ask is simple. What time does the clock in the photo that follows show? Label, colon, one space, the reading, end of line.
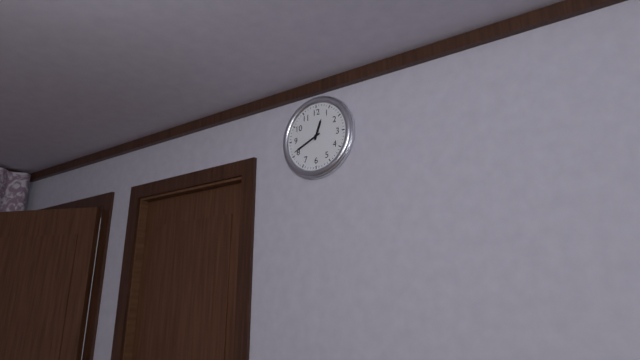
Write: 12:41
